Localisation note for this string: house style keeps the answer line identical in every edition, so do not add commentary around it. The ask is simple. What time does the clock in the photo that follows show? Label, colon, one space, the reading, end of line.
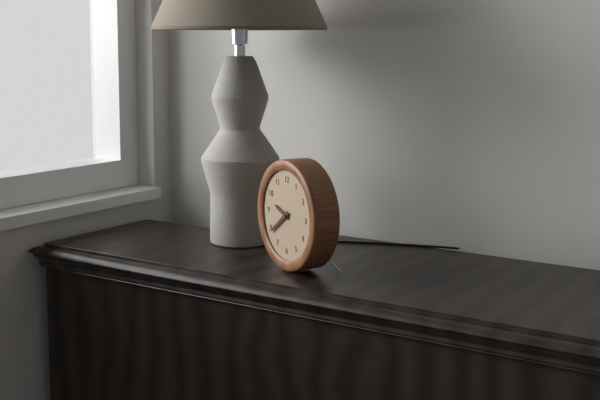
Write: 9:39
